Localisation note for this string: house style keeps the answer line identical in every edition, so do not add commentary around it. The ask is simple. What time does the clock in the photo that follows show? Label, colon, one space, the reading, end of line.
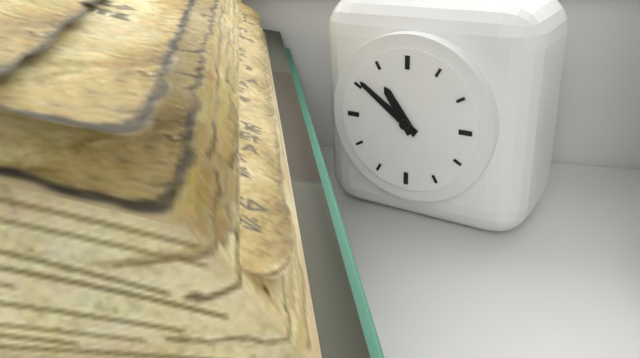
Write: 10:51
